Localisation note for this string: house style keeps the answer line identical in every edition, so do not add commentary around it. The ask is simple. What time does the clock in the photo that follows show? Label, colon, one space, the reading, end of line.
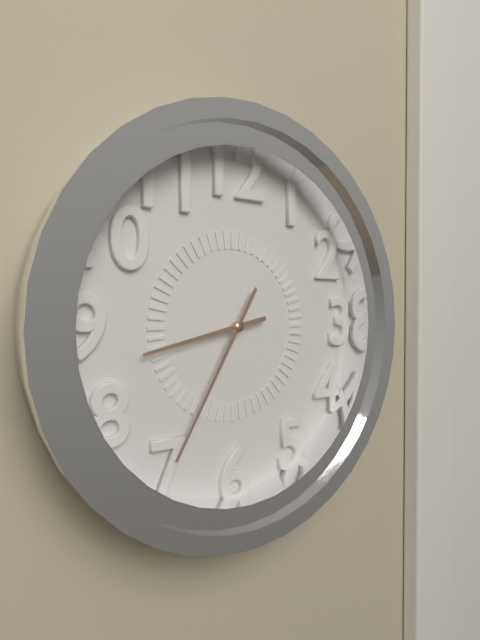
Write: 8:35
